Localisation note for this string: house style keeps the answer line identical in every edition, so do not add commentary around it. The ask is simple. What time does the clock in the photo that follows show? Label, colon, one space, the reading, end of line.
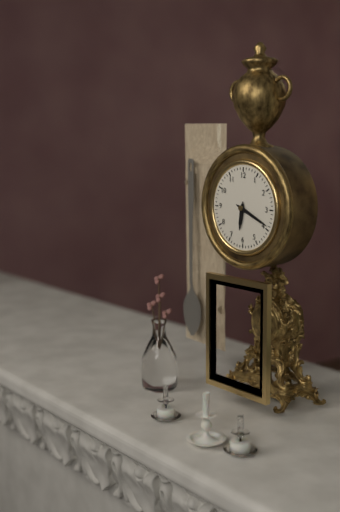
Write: 6:19
